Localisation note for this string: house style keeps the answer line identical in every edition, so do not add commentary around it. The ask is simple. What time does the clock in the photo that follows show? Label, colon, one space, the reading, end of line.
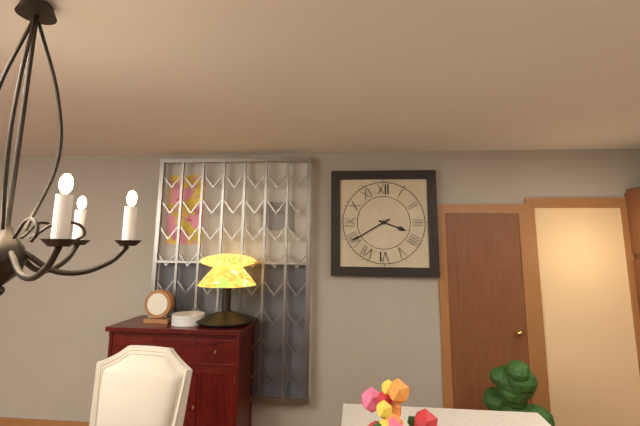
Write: 3:40
